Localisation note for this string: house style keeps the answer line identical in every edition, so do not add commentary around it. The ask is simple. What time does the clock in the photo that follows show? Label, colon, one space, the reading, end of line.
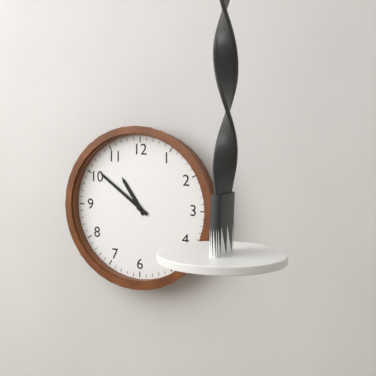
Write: 10:51
